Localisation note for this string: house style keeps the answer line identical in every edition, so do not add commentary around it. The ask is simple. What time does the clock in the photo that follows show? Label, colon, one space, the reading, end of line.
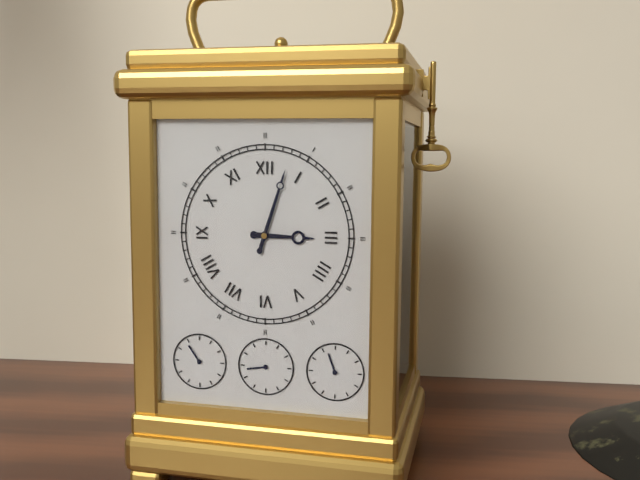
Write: 3:03
